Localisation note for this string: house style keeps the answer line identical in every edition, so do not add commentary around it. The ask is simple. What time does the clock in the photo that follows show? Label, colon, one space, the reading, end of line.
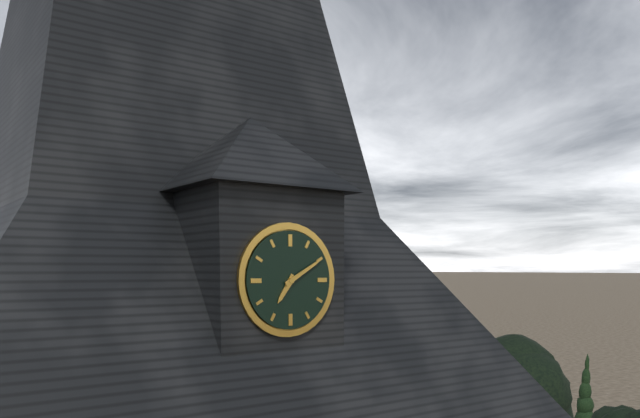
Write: 7:10
